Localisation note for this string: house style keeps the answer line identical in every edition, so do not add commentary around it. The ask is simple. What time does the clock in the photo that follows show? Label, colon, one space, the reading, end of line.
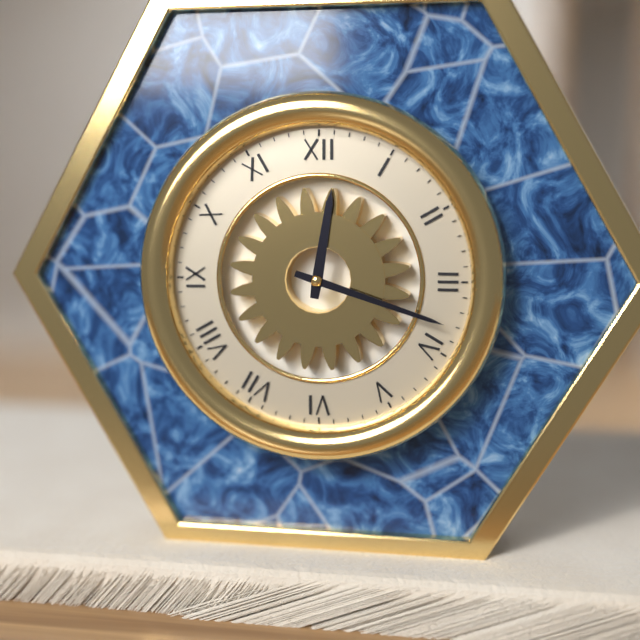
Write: 12:18
